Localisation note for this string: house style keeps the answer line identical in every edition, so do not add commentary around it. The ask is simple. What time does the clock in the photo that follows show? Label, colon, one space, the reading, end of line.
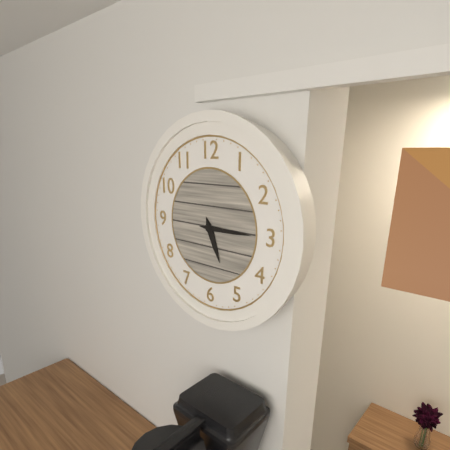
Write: 5:15
